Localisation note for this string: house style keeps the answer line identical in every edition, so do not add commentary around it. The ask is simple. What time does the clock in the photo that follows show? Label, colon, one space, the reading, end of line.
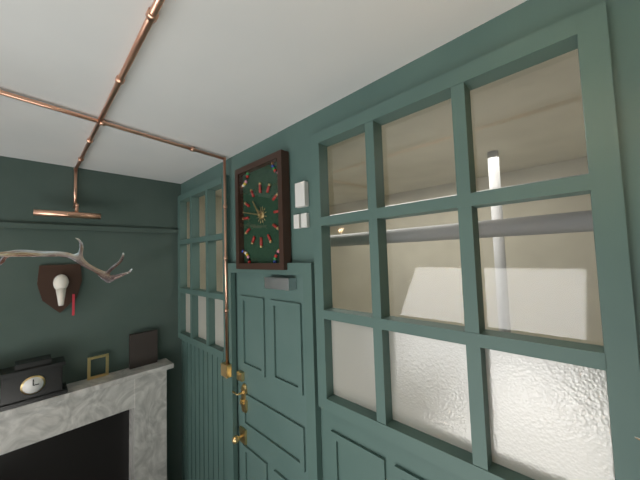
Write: 10:47
